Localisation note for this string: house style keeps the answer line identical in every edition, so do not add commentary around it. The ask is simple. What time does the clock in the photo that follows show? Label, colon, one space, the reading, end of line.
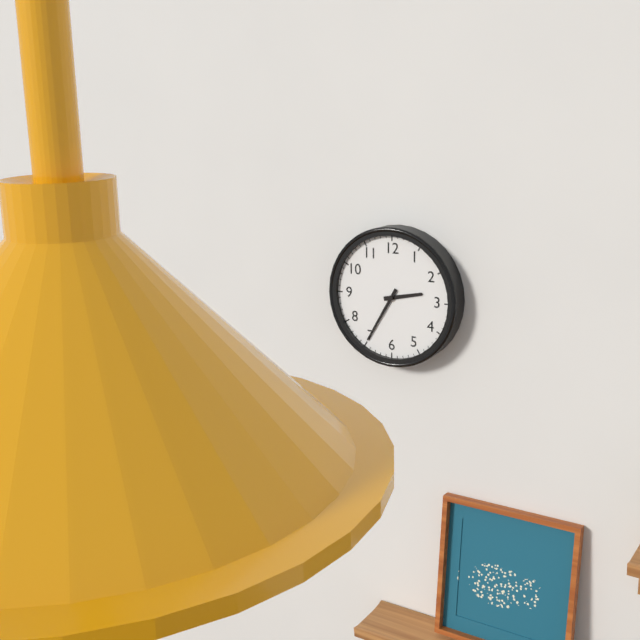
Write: 2:35
